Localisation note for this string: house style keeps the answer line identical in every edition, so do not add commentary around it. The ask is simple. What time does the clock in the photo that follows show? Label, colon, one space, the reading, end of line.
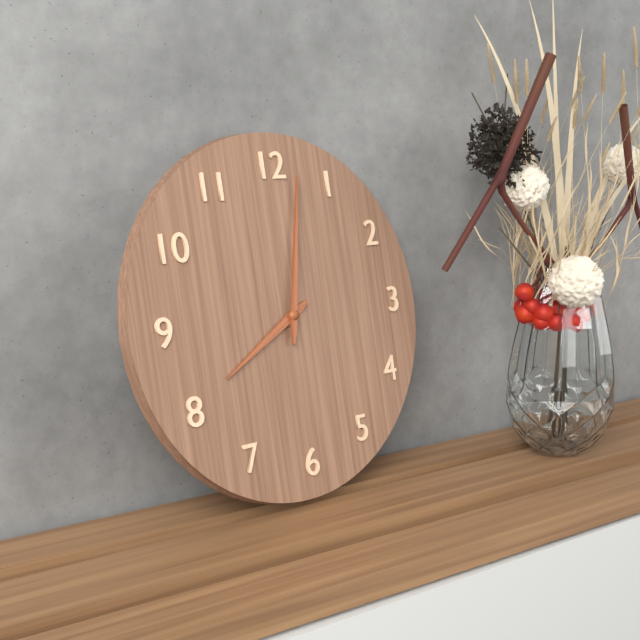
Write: 8:02
